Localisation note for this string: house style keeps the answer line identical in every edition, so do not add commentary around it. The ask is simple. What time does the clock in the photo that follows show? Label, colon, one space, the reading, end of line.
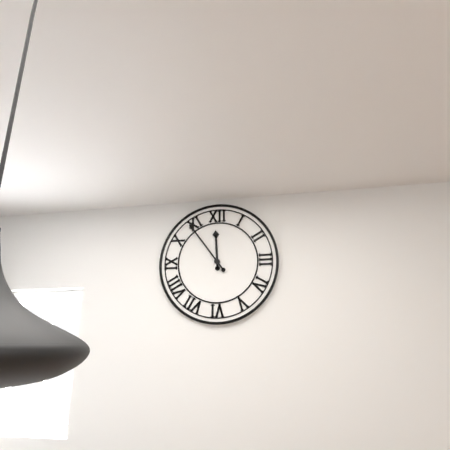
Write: 11:54
